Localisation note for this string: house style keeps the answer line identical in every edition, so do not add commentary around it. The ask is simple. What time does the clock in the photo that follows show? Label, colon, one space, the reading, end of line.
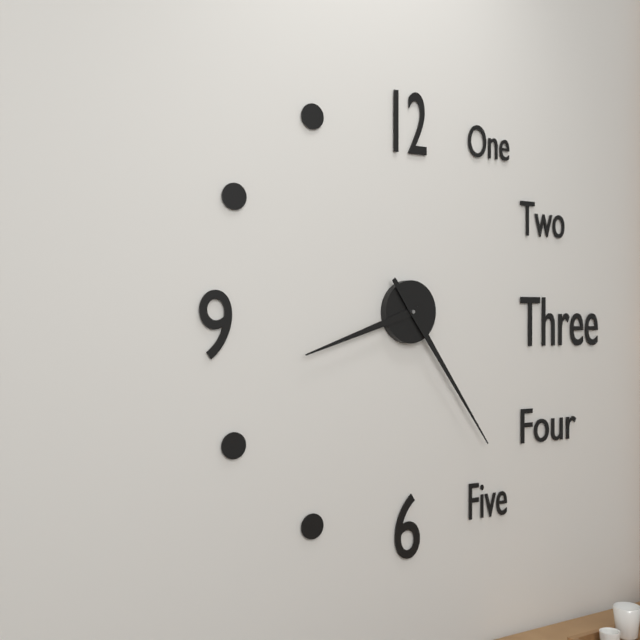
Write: 8:24
